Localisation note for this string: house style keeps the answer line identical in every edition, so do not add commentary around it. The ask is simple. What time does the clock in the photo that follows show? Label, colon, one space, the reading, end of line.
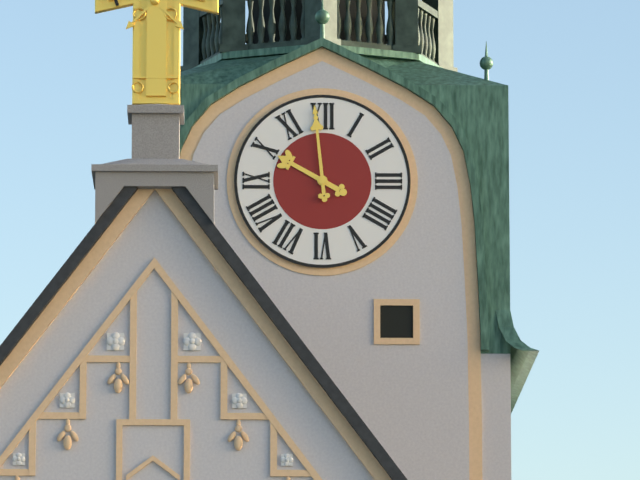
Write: 9:59
